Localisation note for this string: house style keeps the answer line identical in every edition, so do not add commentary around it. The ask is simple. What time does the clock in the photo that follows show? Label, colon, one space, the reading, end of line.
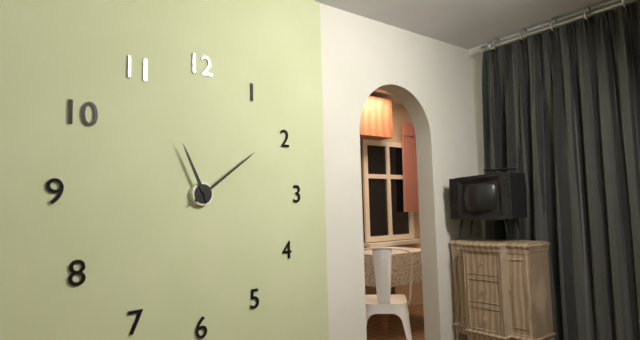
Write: 11:09
